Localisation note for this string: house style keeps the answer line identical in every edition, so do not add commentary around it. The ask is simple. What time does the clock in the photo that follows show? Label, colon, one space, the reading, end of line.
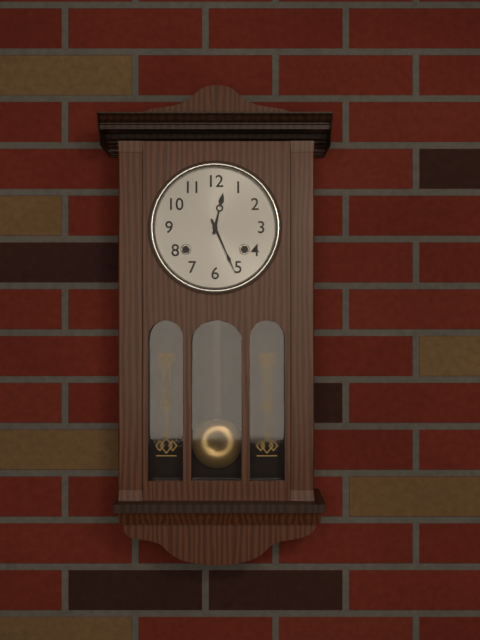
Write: 12:26
